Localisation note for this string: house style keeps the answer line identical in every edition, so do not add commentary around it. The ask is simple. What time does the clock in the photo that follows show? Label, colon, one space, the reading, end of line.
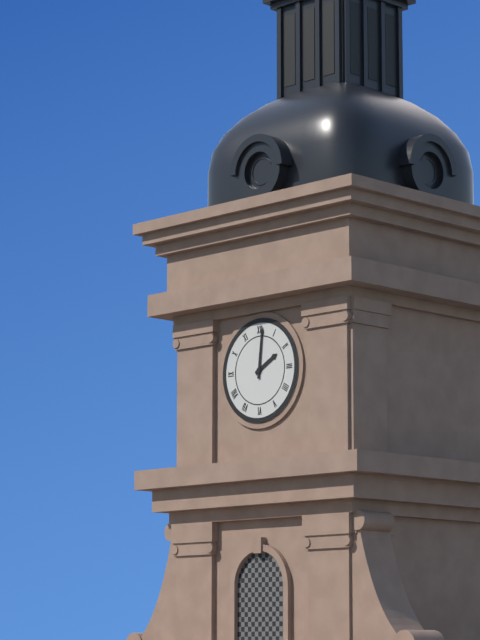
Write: 2:01
